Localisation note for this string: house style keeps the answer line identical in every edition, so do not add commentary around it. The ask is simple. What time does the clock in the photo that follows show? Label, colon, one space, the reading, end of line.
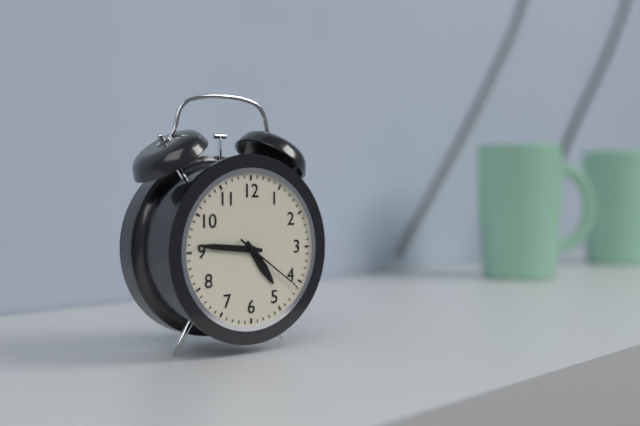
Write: 4:46:21
